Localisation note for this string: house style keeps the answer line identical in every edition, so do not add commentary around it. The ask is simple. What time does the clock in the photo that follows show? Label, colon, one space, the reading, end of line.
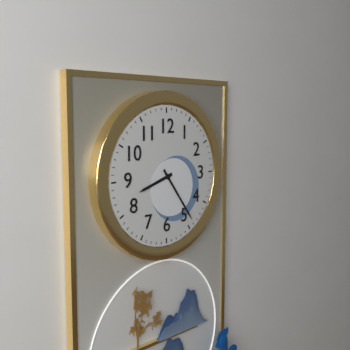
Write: 8:24
